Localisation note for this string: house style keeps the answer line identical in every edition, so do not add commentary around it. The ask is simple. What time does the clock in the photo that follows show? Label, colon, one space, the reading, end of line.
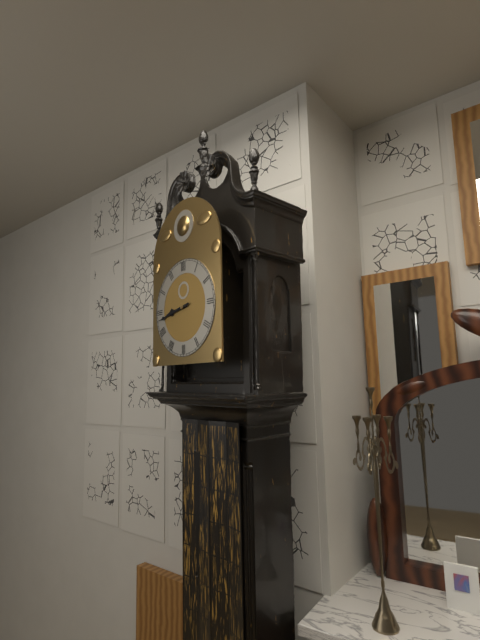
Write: 8:43
